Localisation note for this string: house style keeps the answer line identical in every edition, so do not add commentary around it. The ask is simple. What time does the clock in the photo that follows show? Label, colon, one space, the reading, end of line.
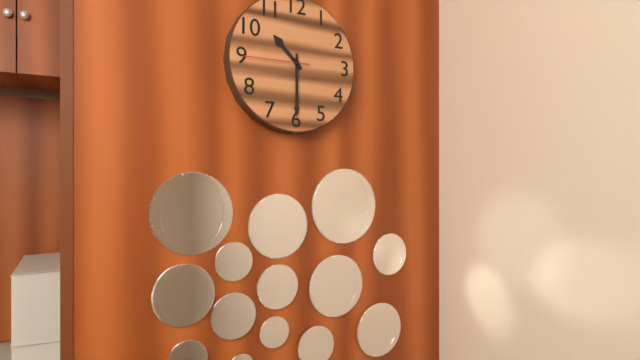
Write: 10:30:45
